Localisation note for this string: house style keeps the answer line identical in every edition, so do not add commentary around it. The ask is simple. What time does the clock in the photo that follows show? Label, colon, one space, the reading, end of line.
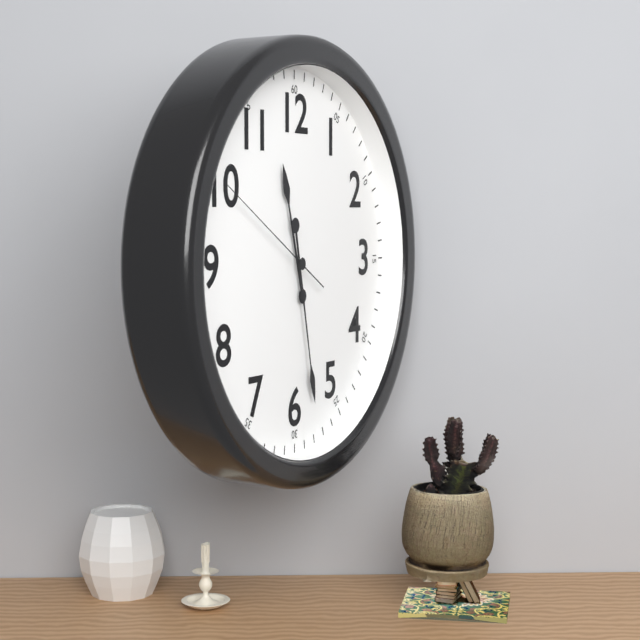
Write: 11:28:50
